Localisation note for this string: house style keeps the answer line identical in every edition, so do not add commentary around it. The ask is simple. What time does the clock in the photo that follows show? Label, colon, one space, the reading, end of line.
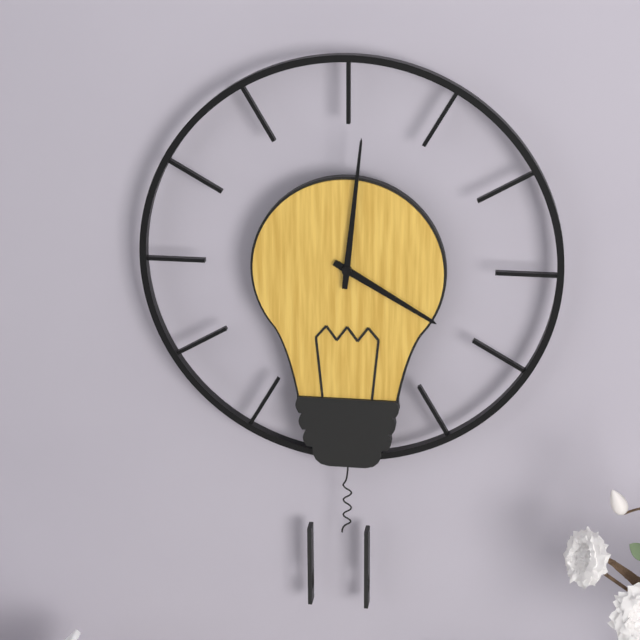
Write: 4:01
